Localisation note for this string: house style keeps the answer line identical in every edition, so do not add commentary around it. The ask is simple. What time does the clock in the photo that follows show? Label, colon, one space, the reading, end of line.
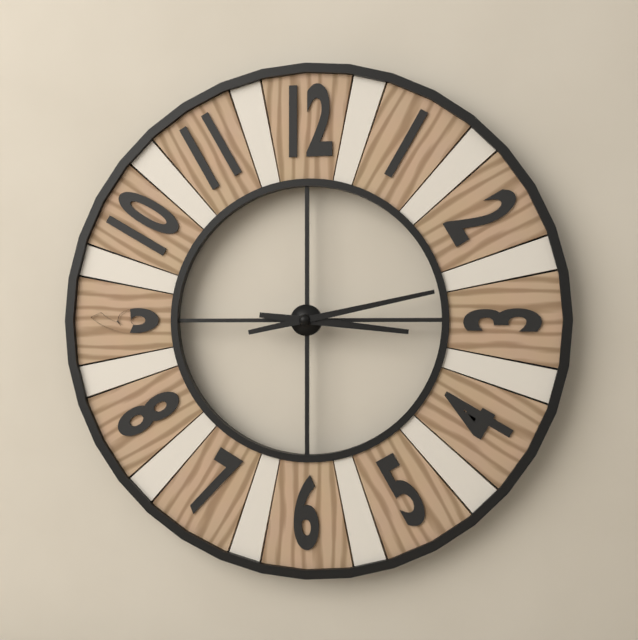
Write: 3:13
